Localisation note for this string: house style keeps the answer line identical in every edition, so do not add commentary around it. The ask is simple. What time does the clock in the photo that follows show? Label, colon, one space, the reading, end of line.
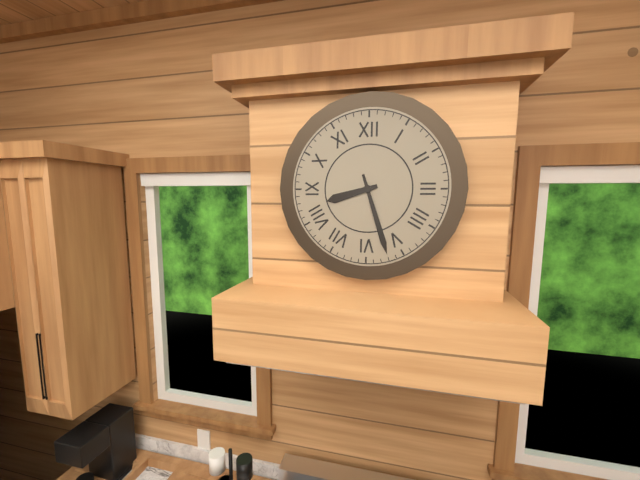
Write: 8:27
